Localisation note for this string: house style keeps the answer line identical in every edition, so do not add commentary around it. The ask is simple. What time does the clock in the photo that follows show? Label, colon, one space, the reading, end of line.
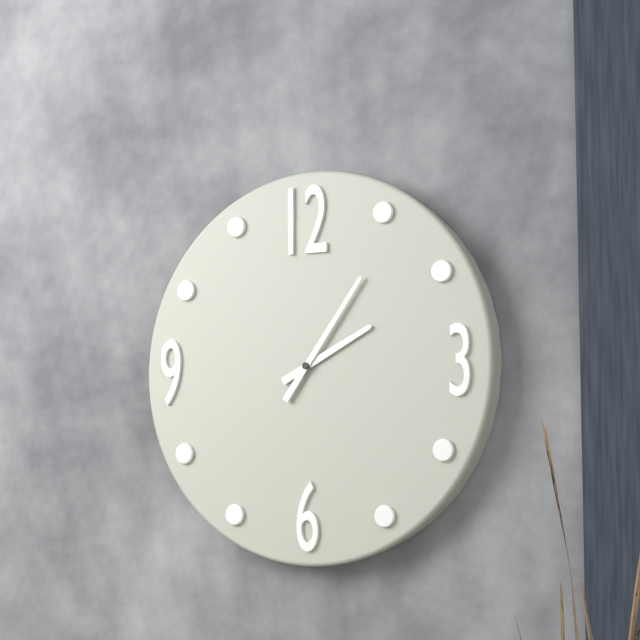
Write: 2:06
